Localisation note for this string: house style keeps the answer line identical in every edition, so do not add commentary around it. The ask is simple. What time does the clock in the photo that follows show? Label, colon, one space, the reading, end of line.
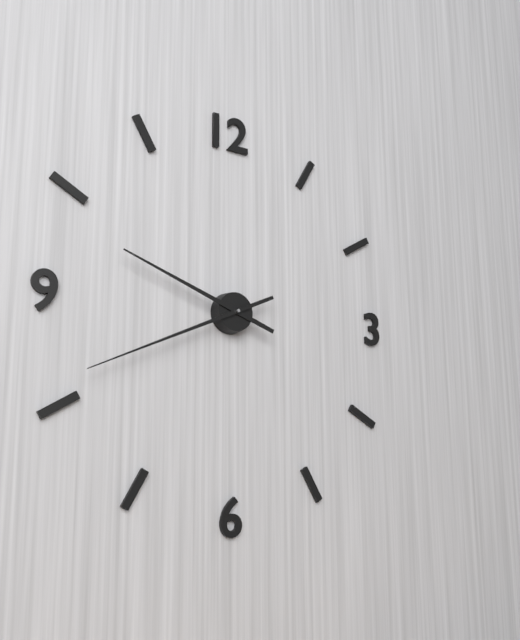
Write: 9:41
